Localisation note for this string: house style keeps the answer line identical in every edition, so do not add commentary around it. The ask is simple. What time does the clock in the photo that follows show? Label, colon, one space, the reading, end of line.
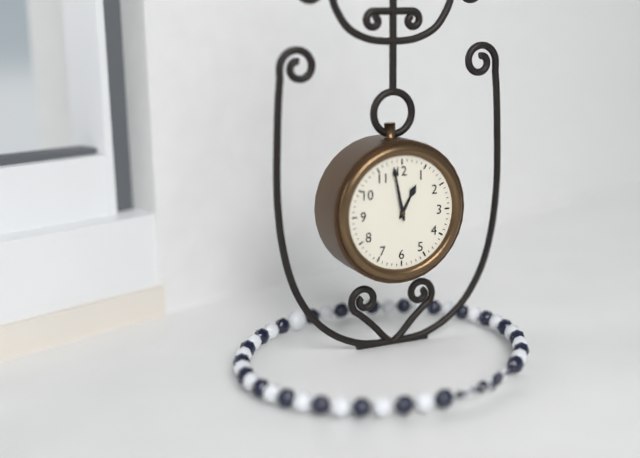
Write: 12:58
